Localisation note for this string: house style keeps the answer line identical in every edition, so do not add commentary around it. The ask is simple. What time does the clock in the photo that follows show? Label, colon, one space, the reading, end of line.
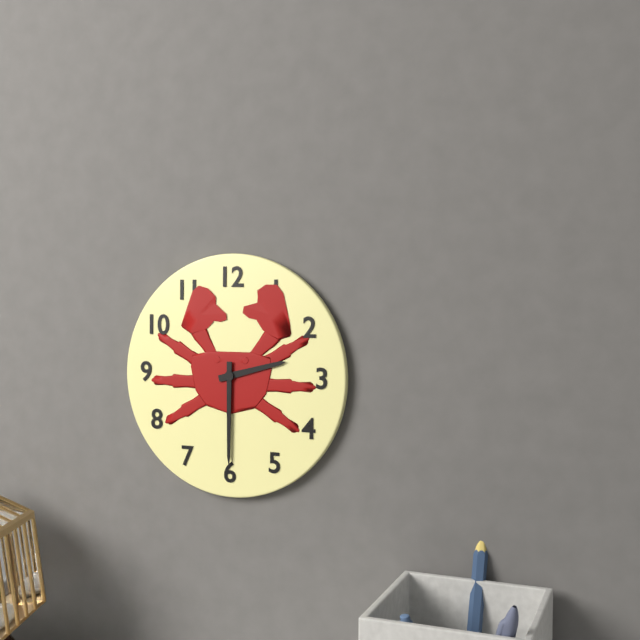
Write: 2:30
